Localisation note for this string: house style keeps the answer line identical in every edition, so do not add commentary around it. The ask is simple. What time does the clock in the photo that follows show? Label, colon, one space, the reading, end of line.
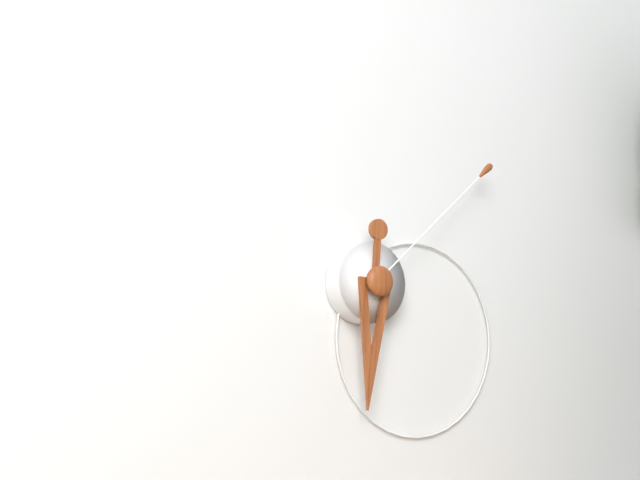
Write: 6:08
